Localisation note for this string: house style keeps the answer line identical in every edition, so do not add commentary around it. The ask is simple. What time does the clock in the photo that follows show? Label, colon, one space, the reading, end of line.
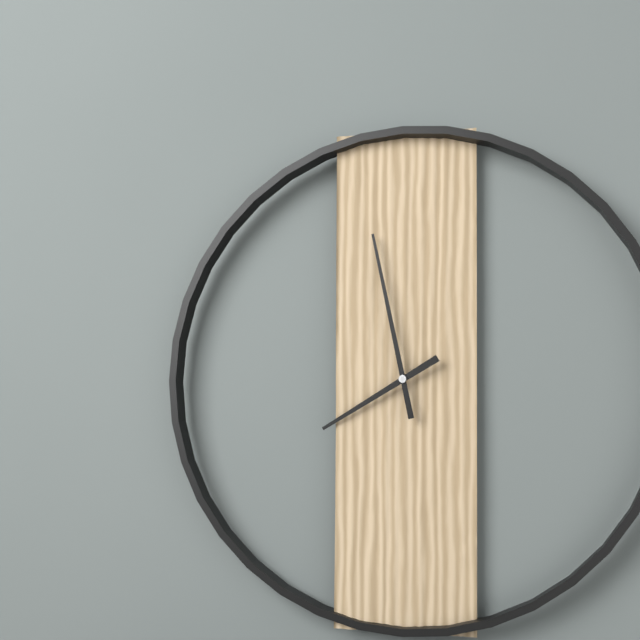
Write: 7:58
